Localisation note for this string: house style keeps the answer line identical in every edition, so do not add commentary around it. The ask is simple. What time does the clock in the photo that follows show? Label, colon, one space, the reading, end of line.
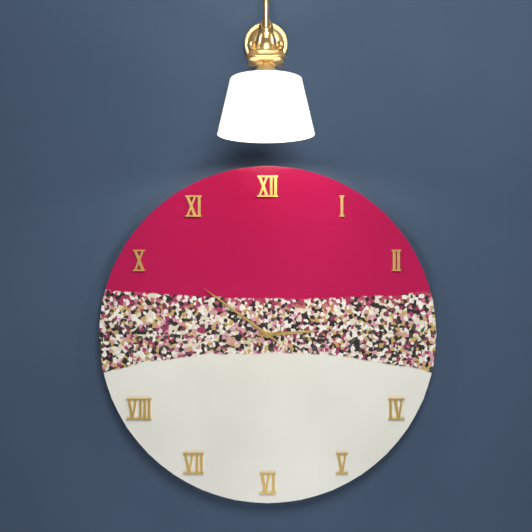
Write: 2:51:42
